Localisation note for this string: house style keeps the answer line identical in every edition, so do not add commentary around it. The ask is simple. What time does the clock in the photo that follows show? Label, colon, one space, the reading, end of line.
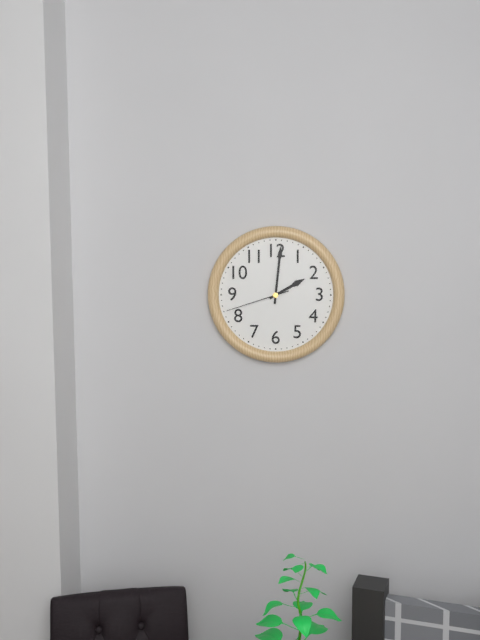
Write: 2:01:42
